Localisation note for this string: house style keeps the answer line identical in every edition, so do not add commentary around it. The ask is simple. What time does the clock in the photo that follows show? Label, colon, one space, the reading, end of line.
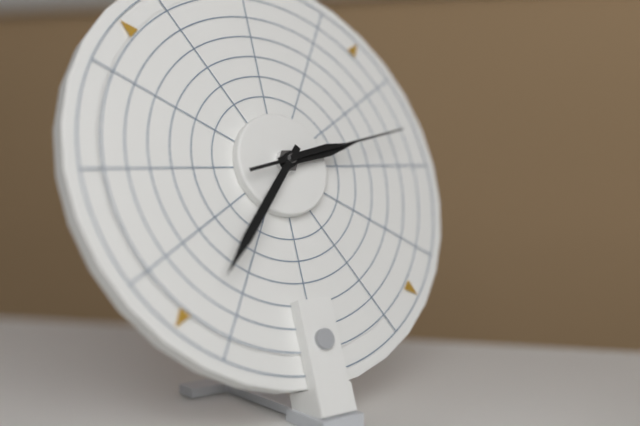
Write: 2:37:13
